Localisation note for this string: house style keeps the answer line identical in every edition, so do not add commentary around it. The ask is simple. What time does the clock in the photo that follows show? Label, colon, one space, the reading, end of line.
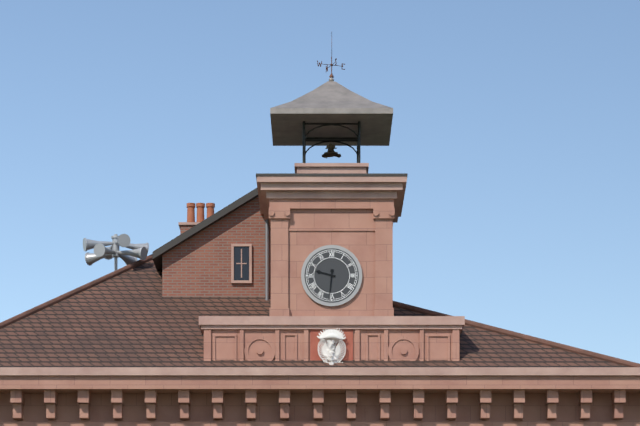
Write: 9:31
